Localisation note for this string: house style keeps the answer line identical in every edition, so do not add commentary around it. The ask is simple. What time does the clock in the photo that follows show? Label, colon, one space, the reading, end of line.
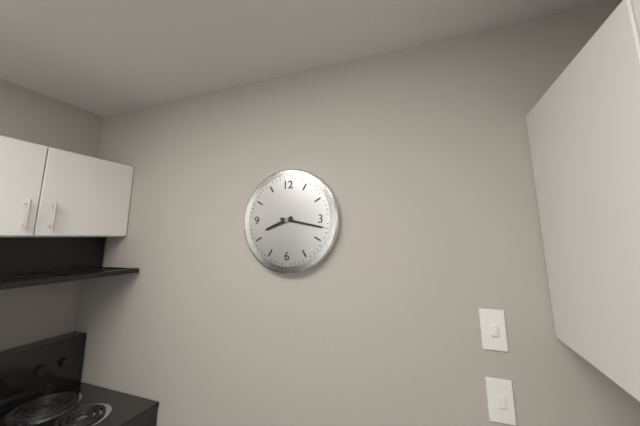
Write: 8:17
